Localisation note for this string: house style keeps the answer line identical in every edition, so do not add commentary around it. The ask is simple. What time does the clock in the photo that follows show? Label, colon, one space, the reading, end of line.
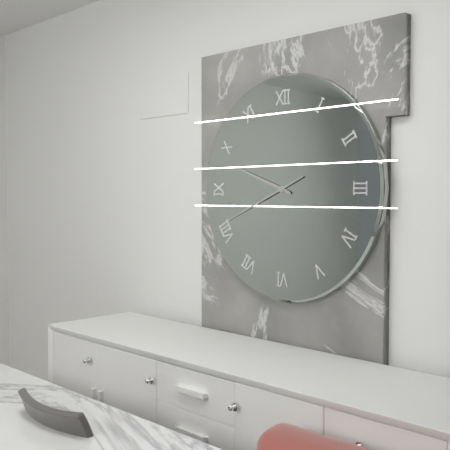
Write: 9:41
